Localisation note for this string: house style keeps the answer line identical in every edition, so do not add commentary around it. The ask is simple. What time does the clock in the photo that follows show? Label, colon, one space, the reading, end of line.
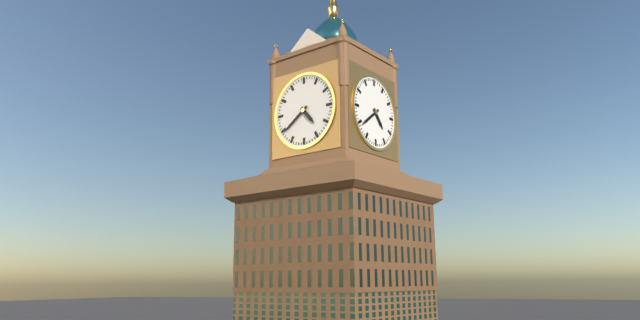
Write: 4:39
